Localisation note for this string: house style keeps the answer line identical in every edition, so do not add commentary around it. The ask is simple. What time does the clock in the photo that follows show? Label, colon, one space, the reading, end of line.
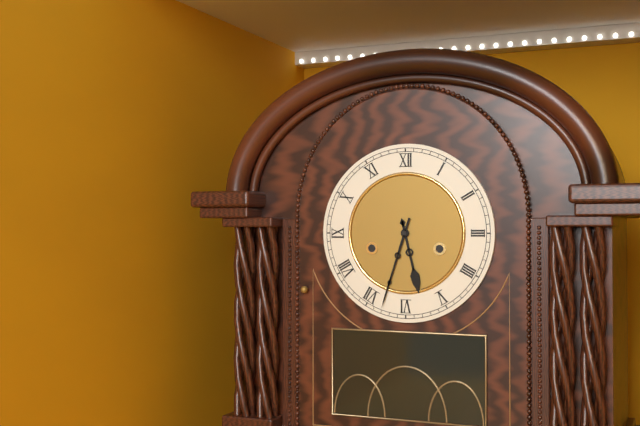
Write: 5:33
